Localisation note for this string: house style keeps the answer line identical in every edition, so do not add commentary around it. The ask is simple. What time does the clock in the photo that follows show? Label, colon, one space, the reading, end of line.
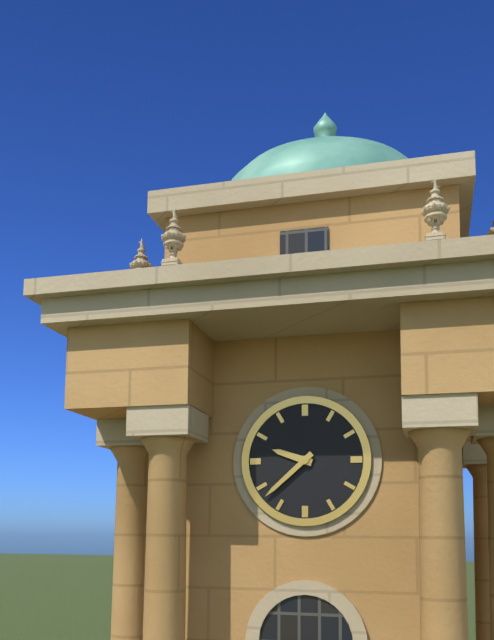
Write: 9:38
